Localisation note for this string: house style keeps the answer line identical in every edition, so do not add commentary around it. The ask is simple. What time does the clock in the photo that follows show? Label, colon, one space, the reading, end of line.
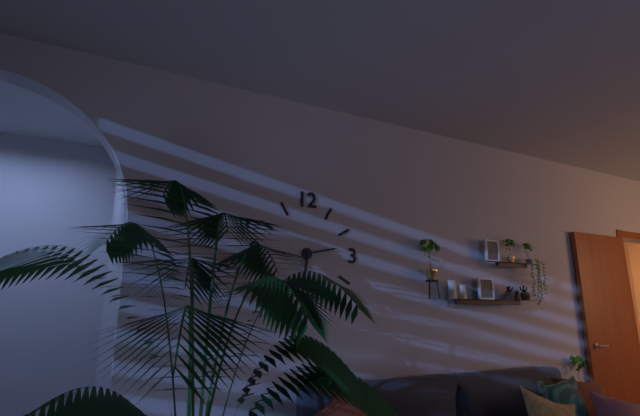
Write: 6:13
